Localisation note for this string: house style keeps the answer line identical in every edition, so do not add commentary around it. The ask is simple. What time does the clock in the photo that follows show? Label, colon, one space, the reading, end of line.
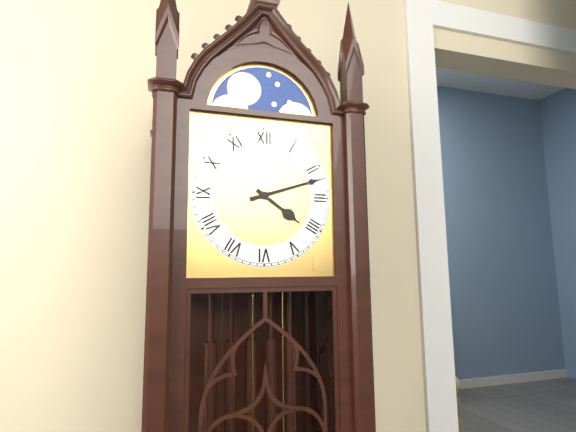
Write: 4:12
